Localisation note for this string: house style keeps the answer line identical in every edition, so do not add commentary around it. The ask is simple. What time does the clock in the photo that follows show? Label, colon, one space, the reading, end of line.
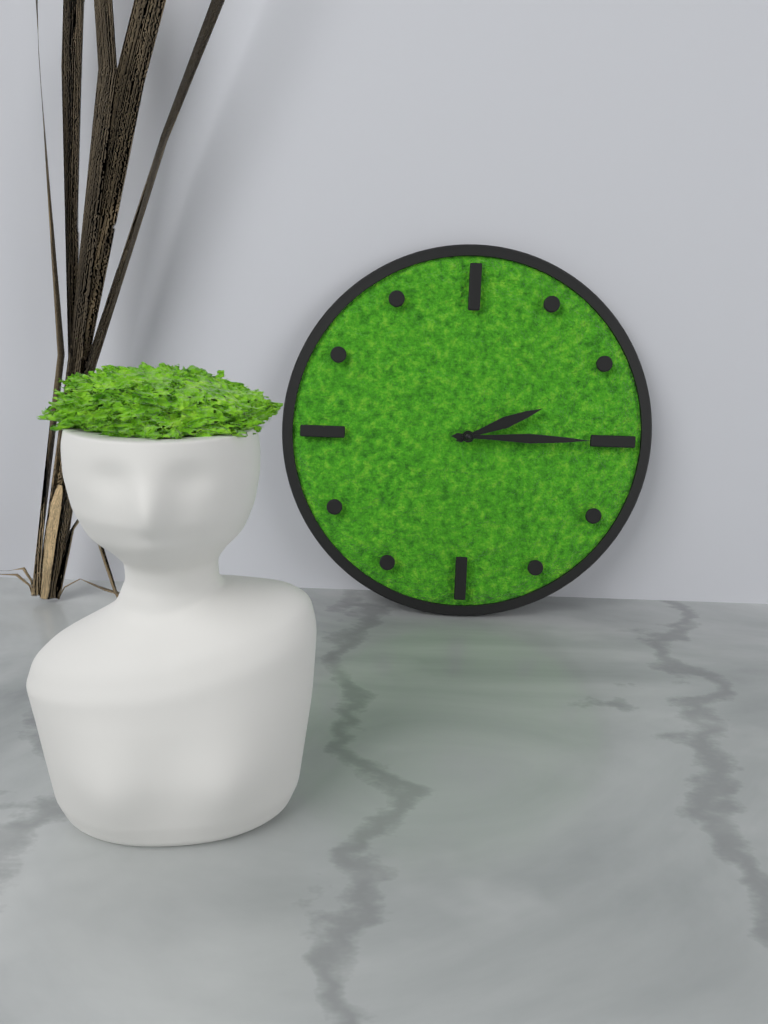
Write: 2:15
